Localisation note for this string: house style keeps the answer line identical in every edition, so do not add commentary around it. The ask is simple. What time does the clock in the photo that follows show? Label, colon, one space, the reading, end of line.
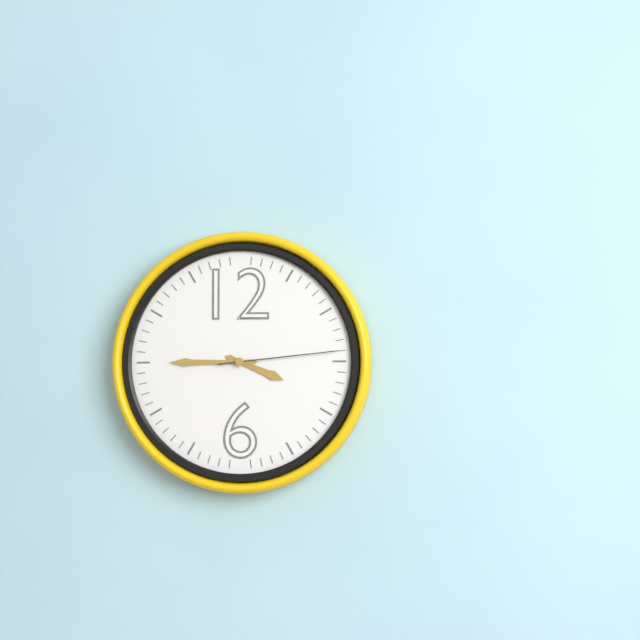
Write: 3:45:14
